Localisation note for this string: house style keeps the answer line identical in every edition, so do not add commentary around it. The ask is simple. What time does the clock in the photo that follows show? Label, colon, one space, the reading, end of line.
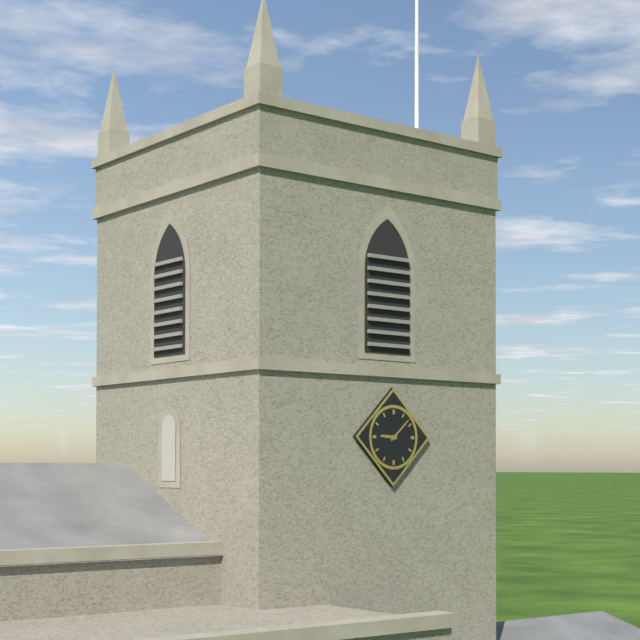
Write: 9:08
